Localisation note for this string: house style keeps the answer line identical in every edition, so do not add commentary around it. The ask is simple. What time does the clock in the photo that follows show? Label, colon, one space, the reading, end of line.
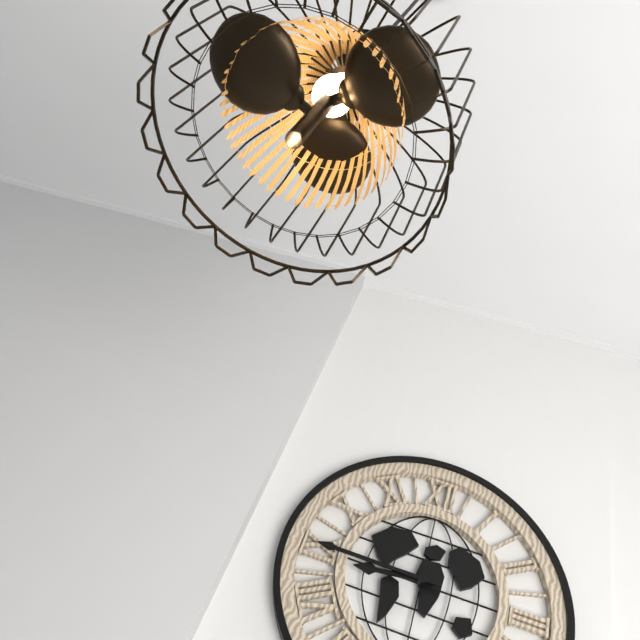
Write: 8:45
